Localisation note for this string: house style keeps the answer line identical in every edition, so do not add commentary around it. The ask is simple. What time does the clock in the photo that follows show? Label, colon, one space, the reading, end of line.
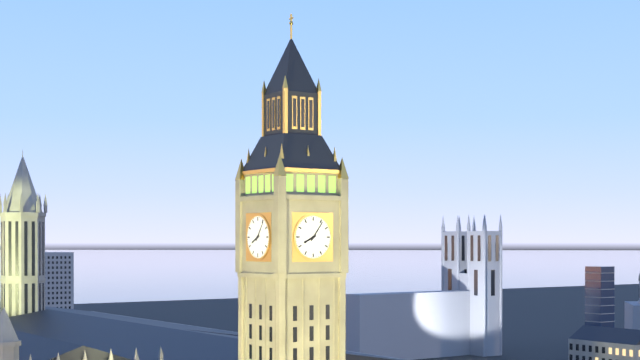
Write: 8:06
